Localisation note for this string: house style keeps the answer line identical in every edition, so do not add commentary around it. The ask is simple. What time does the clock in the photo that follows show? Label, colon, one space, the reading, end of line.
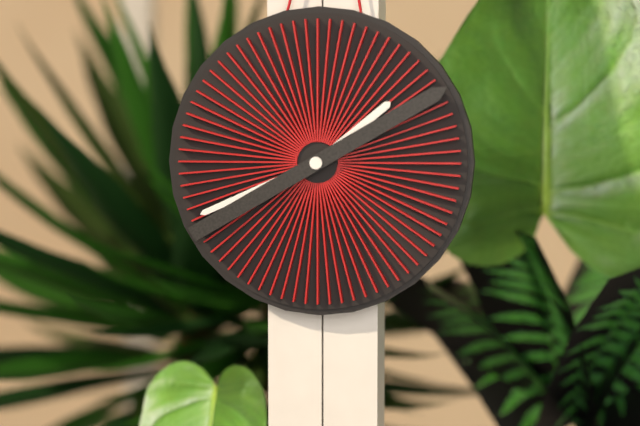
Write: 1:41:10
